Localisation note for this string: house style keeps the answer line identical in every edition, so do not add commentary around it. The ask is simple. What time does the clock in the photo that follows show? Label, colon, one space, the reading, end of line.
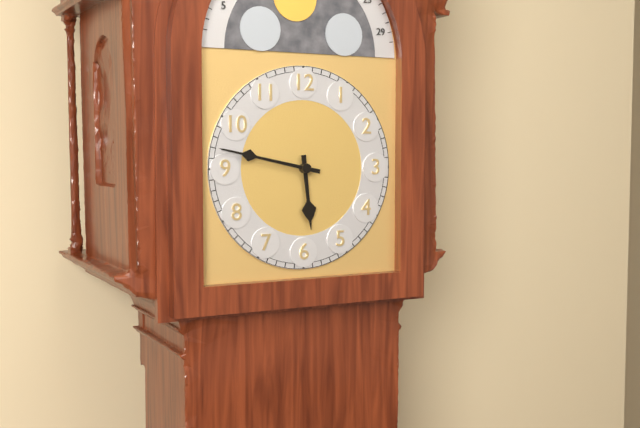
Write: 5:47
